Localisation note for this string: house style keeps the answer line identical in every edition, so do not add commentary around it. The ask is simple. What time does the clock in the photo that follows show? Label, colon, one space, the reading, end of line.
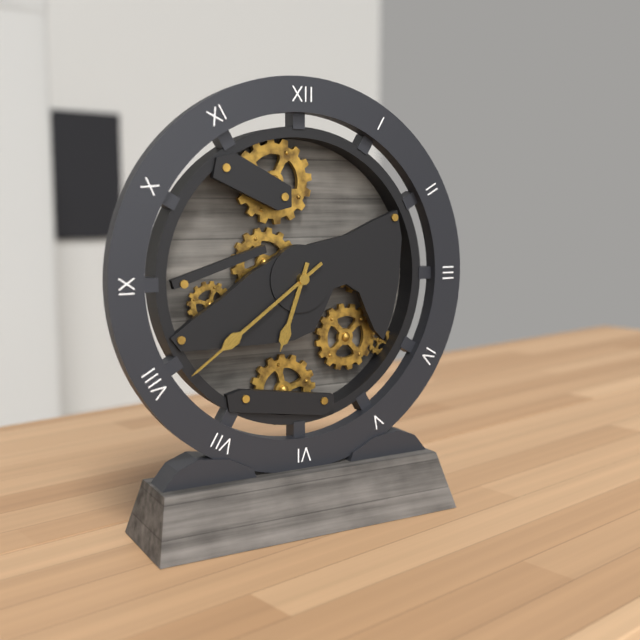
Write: 6:39
